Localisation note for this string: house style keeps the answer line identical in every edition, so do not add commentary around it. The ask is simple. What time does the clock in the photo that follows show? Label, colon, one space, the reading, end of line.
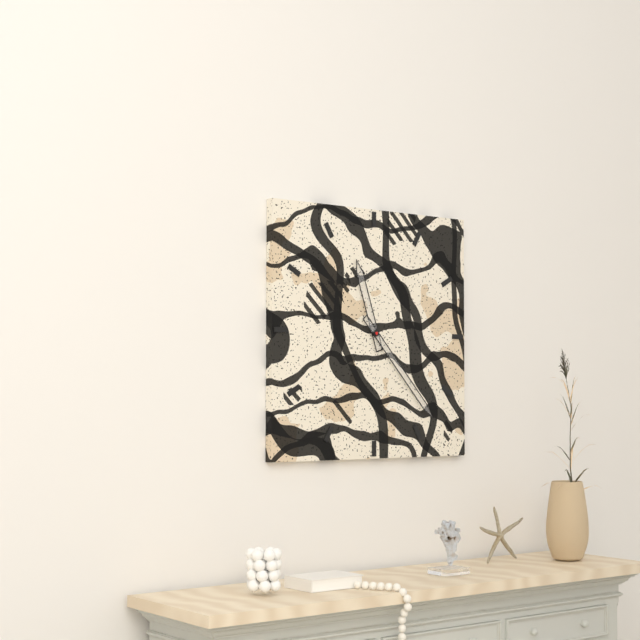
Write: 11:23
